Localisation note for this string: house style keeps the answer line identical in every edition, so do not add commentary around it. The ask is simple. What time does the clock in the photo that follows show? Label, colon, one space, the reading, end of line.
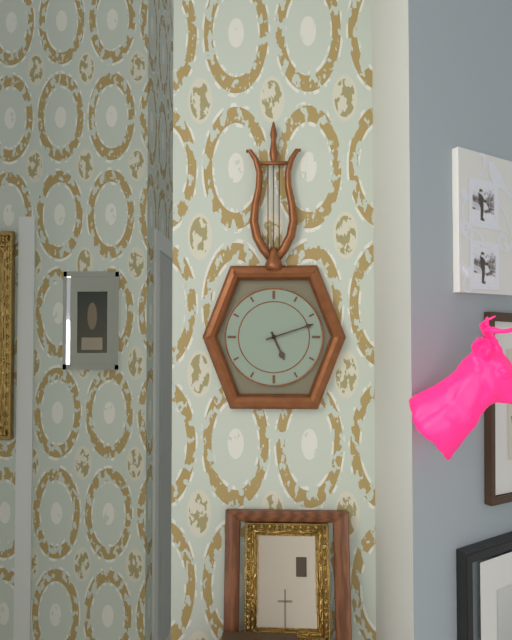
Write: 5:12
